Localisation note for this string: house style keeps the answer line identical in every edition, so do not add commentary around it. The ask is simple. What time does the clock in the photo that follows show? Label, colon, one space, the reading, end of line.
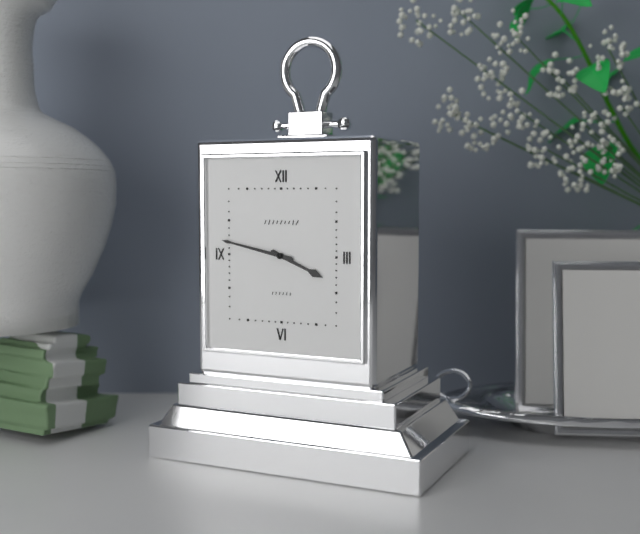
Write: 3:47
